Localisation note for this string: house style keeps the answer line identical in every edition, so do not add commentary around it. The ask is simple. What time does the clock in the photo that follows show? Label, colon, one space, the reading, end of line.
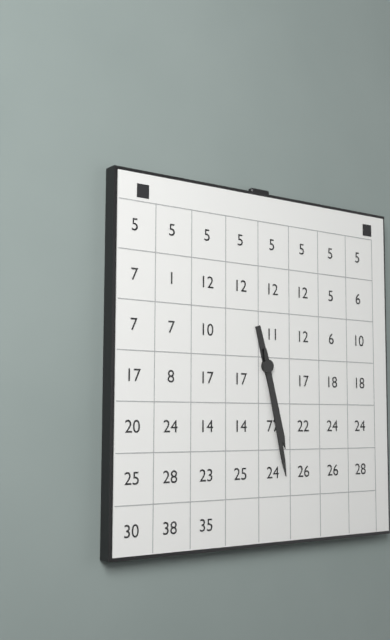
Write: 5:28
